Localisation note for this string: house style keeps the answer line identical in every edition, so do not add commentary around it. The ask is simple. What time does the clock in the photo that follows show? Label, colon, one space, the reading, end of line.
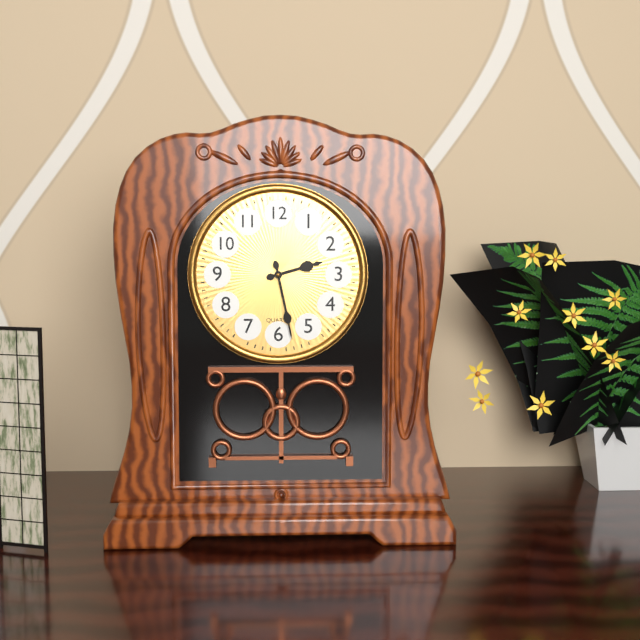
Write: 2:28
